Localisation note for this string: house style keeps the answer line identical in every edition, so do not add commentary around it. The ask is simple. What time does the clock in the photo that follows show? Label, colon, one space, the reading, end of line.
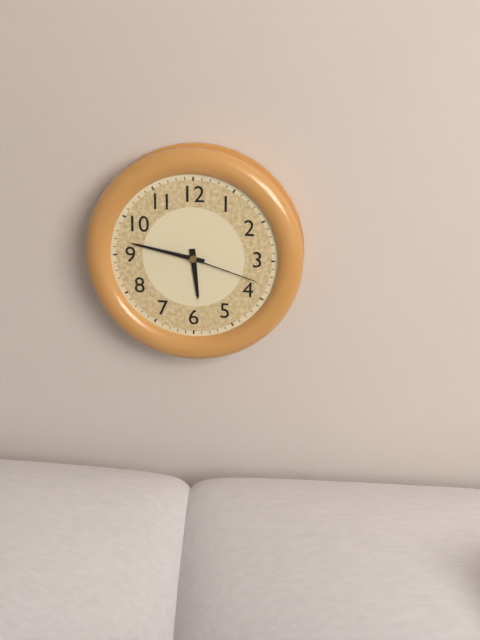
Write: 5:47:18
